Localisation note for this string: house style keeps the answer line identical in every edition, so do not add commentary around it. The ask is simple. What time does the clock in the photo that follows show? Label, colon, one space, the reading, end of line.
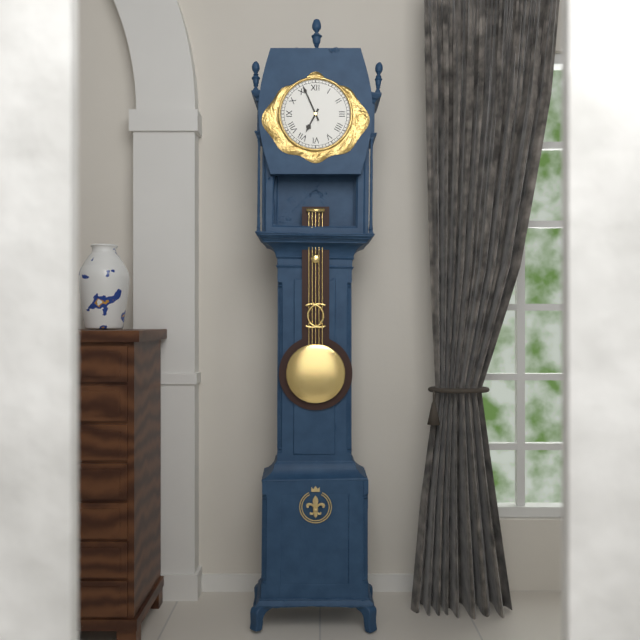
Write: 6:56
